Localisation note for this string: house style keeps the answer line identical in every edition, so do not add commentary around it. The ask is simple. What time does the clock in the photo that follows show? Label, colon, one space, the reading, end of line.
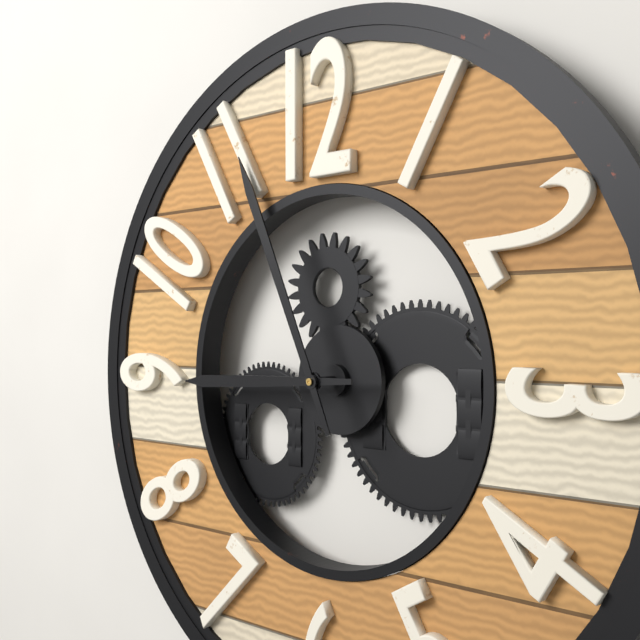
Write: 8:56
